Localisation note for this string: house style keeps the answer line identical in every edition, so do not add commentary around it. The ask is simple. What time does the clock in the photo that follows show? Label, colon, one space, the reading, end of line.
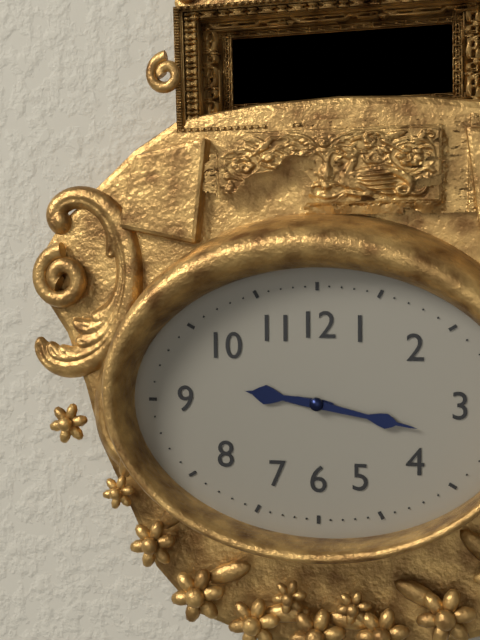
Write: 9:17
